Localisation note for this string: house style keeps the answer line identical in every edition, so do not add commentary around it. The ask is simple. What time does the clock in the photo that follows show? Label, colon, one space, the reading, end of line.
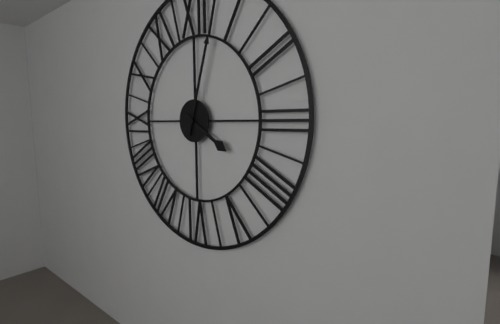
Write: 4:03
